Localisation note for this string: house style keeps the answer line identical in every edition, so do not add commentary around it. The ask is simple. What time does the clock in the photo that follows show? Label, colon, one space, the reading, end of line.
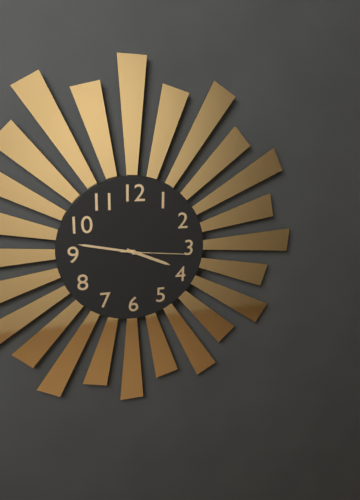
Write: 3:47:16
